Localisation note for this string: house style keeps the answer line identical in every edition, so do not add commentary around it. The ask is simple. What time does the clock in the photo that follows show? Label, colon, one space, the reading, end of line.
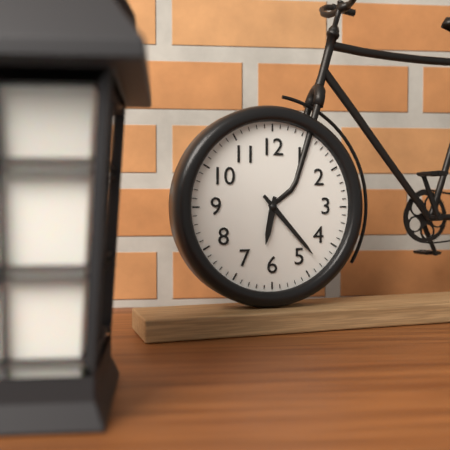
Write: 6:23
